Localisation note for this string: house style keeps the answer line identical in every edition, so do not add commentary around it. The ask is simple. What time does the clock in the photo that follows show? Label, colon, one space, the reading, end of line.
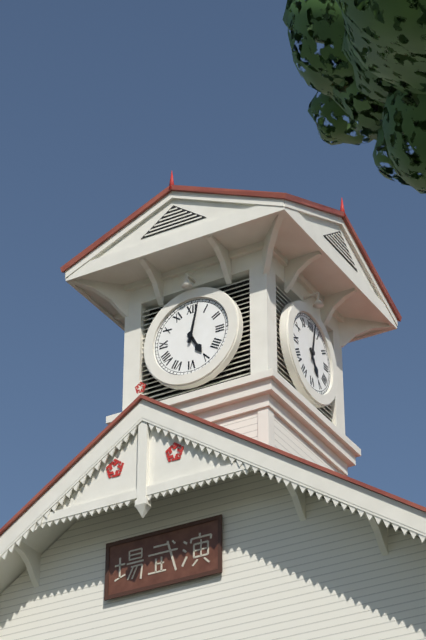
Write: 5:02
